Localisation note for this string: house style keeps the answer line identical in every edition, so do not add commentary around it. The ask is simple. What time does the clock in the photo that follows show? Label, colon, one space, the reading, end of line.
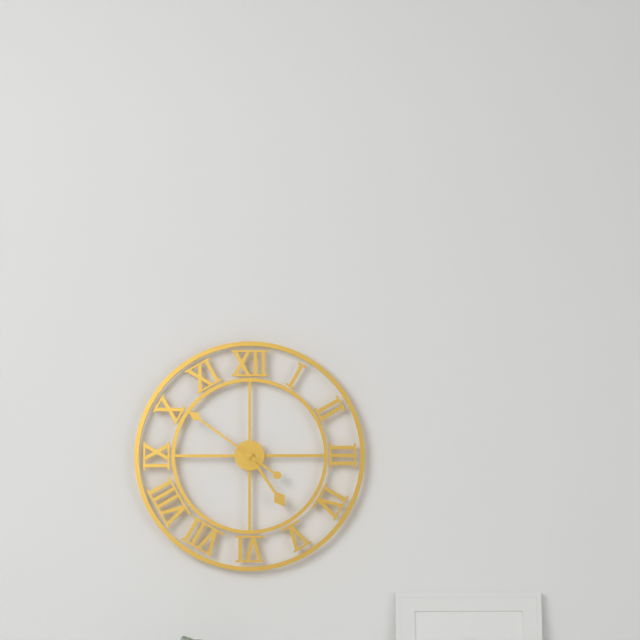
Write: 4:51
